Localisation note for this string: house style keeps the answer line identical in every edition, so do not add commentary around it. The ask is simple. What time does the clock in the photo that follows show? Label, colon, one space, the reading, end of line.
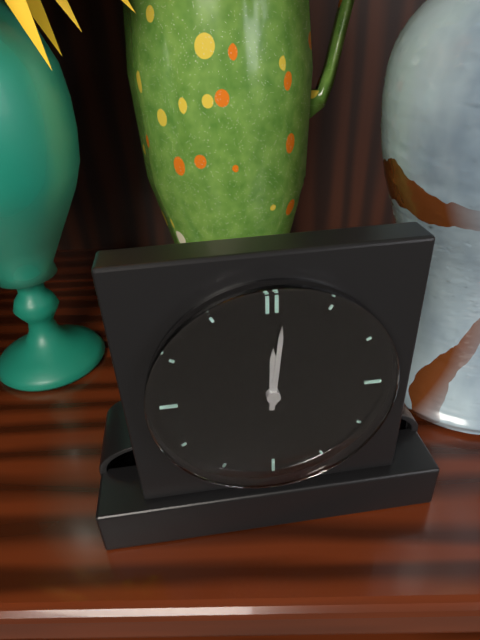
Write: 12:01
